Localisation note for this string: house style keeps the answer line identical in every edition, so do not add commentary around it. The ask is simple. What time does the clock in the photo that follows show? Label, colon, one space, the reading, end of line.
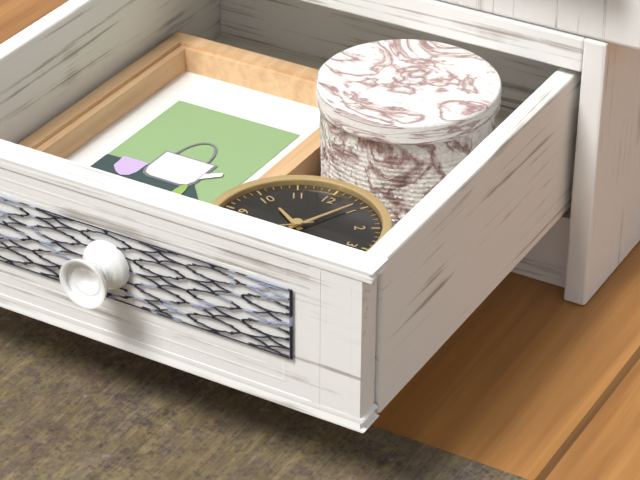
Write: 10:04
